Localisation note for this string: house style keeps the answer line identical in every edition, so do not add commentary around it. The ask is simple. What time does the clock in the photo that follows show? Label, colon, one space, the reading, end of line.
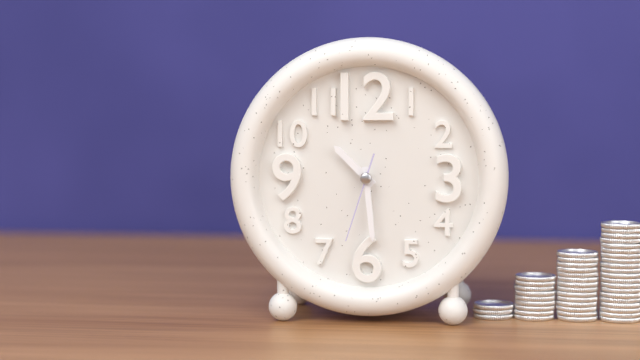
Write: 10:29:33
